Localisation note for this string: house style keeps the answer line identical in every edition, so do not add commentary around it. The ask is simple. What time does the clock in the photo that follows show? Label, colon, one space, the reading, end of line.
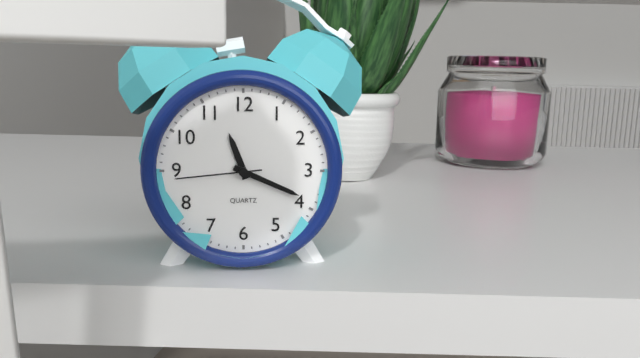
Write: 11:19:44
